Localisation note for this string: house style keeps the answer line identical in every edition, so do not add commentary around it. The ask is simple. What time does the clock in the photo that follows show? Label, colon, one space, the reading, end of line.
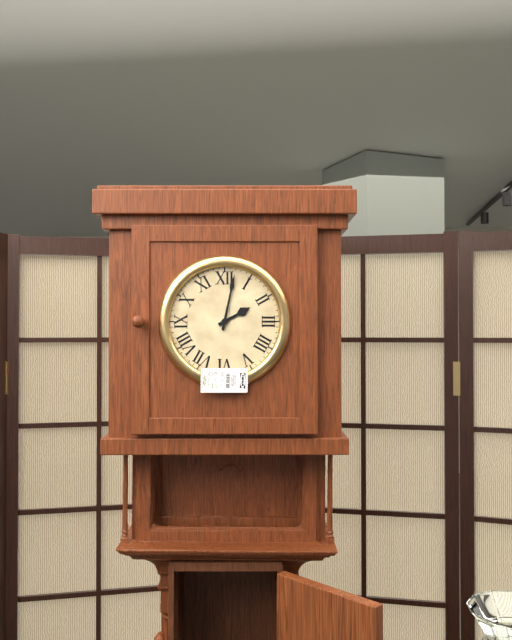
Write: 2:02
